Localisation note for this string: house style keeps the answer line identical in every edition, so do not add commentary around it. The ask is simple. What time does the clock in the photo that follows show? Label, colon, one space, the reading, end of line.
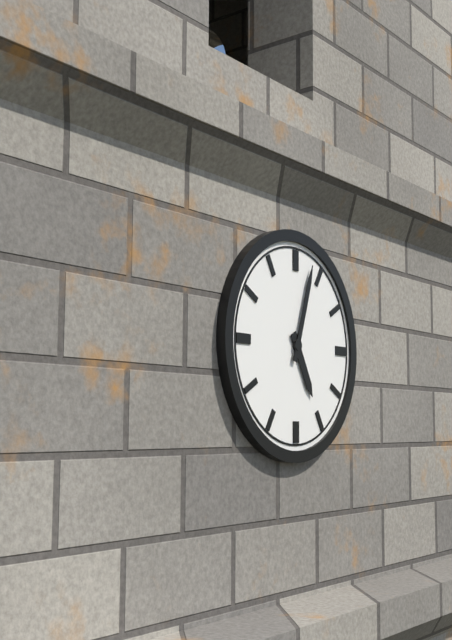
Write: 5:03
